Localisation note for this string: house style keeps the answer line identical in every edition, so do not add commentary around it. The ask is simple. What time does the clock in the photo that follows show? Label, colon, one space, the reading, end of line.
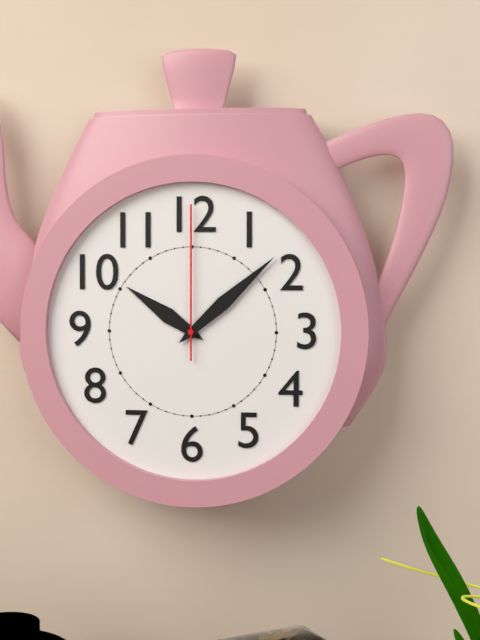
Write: 10:08:00
